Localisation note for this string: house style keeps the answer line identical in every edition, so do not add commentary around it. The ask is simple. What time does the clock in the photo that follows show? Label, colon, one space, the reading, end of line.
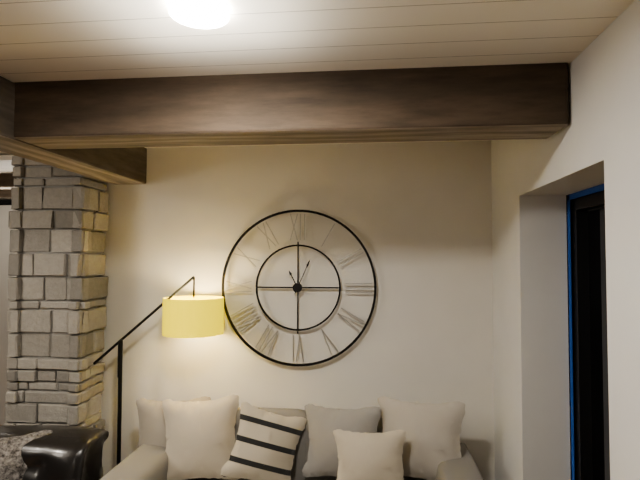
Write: 11:04
